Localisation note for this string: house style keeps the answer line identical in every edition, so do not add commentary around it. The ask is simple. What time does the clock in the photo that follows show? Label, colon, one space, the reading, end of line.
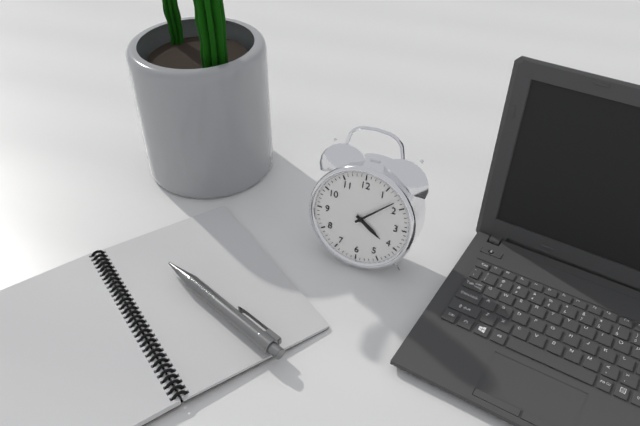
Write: 4:08
